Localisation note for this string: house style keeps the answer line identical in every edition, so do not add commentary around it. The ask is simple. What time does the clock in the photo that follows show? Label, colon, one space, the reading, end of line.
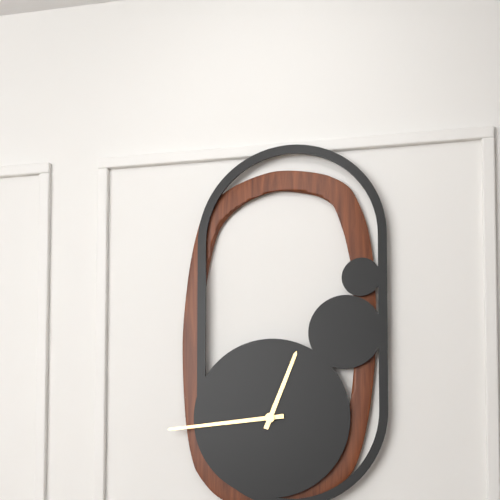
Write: 12:44
